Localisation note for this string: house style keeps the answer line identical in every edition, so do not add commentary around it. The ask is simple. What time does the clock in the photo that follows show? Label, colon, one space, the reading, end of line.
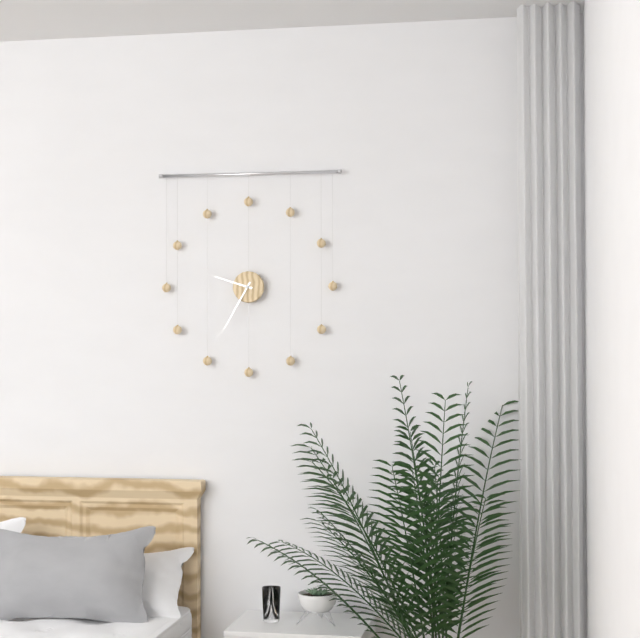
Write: 9:35
